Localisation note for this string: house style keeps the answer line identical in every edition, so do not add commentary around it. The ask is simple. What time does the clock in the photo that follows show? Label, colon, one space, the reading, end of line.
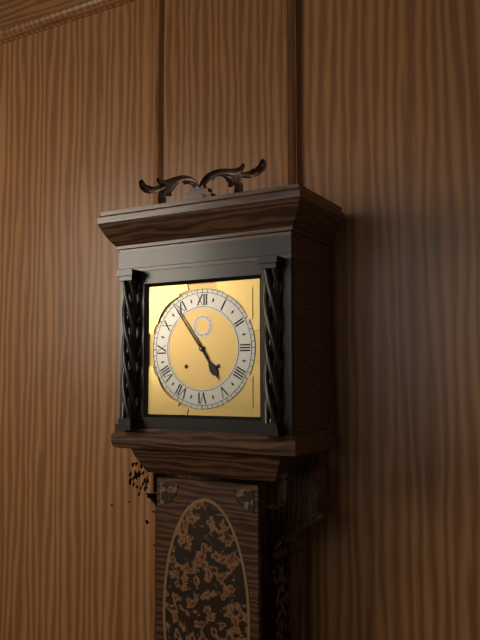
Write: 4:54
